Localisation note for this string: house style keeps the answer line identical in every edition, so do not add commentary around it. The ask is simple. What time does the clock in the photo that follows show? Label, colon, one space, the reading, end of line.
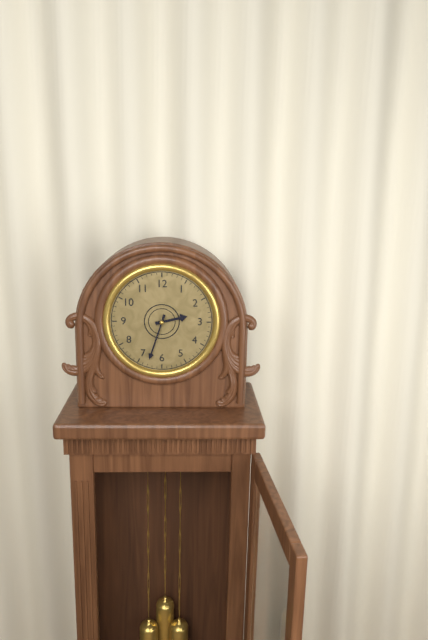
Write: 2:33
